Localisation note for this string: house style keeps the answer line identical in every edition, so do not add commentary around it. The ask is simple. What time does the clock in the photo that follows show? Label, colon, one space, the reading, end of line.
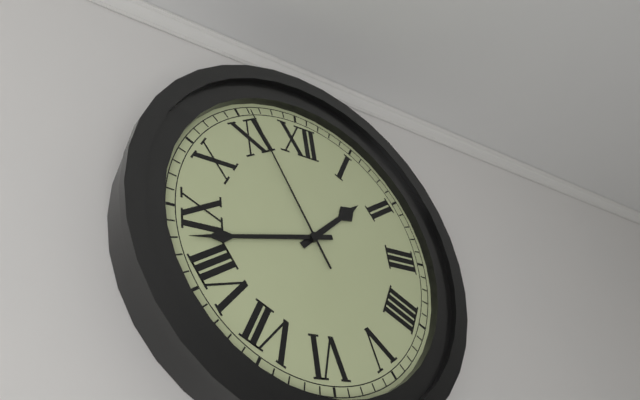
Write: 1:43:56
